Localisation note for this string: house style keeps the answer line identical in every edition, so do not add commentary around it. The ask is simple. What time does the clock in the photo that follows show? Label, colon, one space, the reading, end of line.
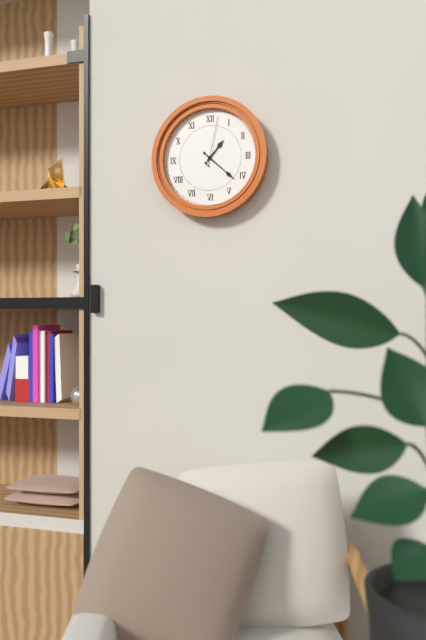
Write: 1:22:02
